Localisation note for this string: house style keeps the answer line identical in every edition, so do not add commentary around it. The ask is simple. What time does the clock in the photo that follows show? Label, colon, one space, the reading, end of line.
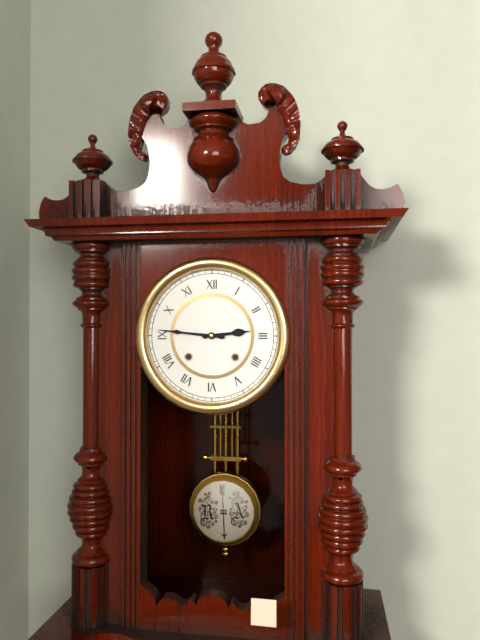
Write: 2:46
